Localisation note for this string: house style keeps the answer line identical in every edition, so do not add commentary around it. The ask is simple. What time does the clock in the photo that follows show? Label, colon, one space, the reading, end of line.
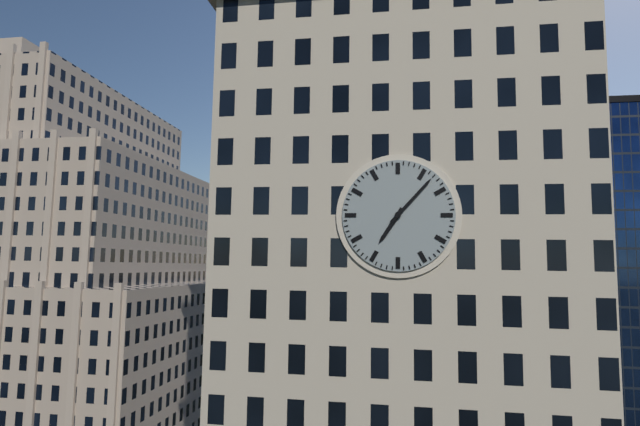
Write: 7:07
